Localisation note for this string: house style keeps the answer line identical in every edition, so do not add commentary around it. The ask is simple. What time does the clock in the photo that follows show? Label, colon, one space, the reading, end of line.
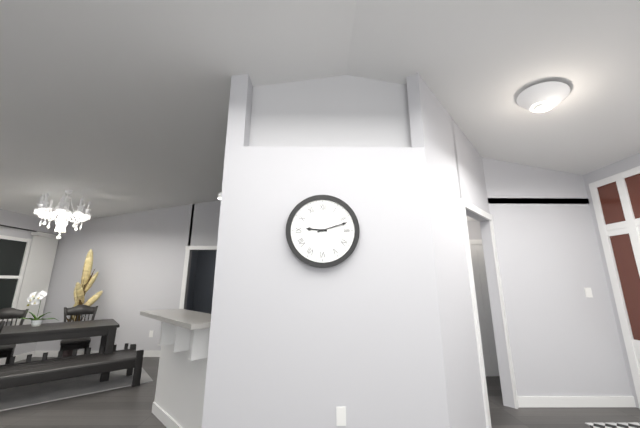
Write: 9:12
